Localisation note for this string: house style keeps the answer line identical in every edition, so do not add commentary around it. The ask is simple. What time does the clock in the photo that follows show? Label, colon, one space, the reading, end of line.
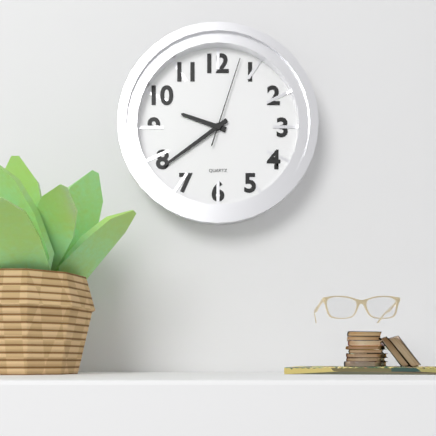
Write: 9:39:03
